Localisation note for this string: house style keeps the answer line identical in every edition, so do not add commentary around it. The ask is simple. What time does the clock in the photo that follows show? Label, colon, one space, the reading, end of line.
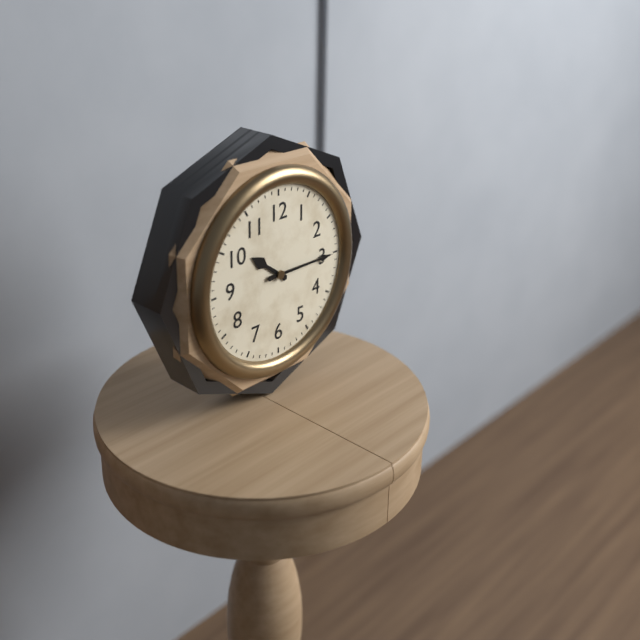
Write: 10:15
